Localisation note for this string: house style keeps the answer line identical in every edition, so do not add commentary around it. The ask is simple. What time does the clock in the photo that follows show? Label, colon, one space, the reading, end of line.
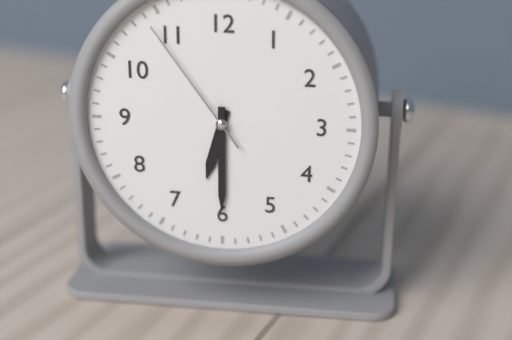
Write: 6:30:54
